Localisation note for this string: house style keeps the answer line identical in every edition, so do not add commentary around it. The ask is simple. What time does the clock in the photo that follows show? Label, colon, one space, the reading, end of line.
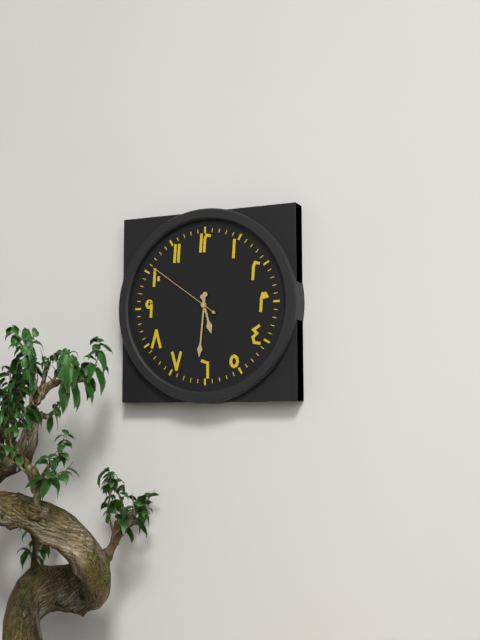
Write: 5:31:51
